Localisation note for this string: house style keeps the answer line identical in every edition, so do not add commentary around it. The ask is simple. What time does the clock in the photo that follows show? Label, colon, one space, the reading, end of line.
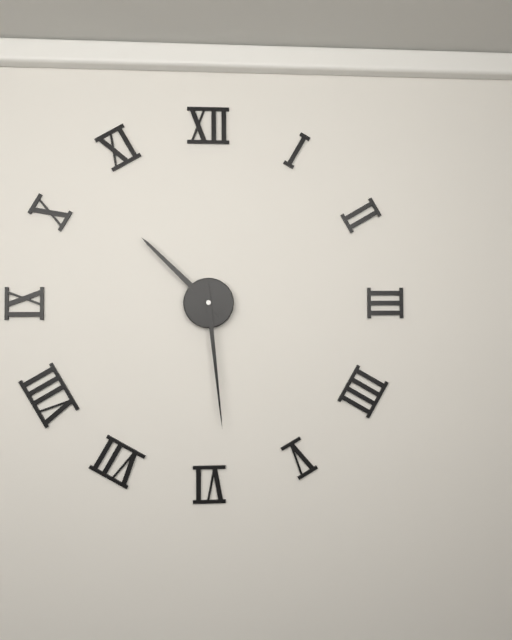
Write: 10:29
